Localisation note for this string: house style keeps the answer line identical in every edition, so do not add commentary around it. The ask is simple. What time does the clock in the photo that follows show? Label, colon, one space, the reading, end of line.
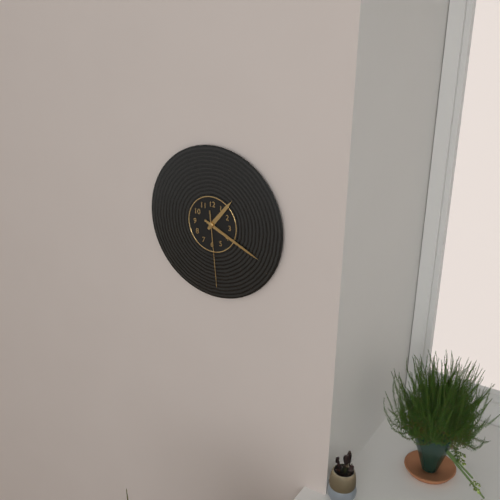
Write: 1:19:29
